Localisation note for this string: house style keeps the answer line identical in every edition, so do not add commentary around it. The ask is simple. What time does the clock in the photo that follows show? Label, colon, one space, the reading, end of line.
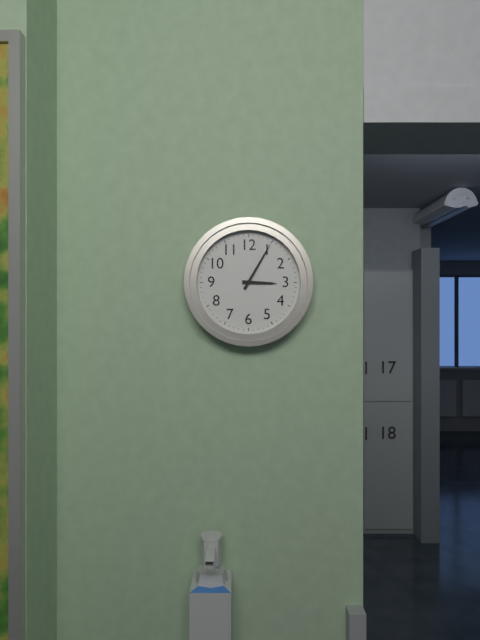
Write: 3:05
